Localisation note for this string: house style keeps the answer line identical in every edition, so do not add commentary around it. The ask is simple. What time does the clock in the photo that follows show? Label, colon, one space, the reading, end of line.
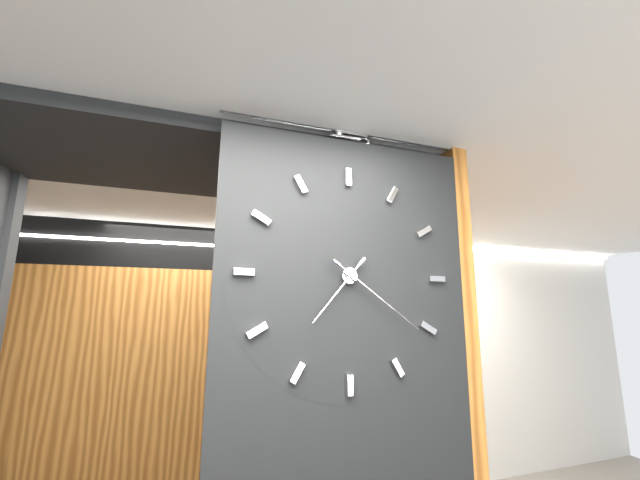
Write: 7:21
